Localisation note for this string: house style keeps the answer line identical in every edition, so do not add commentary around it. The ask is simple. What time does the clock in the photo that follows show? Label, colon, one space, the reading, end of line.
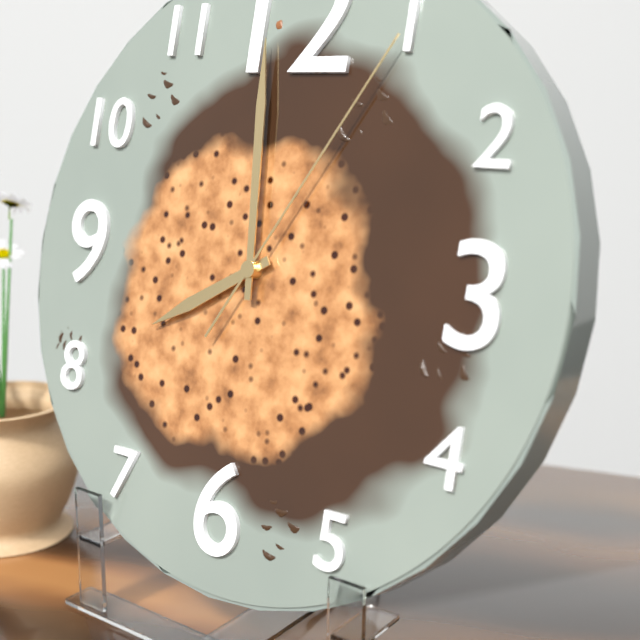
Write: 7:59:05
